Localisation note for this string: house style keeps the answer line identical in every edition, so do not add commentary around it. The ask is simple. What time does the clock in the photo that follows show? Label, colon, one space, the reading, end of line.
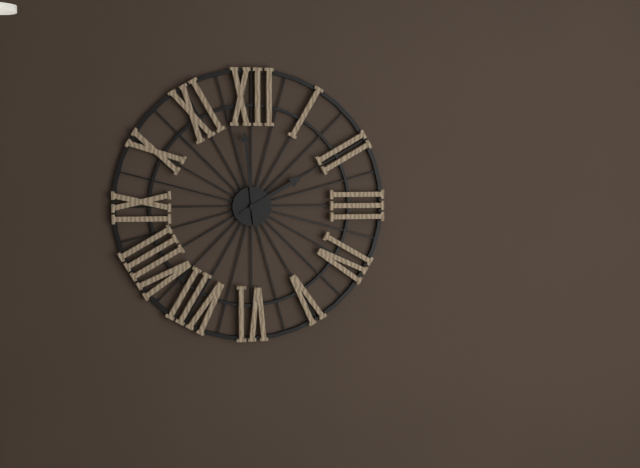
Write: 1:59
